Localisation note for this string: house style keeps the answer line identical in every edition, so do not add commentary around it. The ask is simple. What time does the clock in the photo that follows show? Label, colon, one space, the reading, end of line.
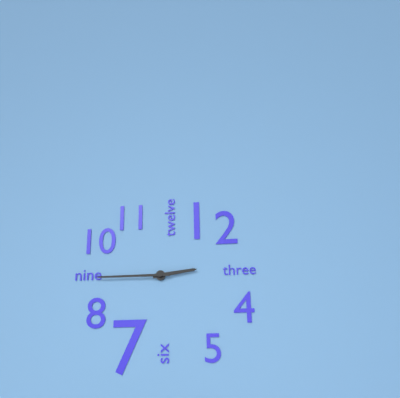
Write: 2:45
